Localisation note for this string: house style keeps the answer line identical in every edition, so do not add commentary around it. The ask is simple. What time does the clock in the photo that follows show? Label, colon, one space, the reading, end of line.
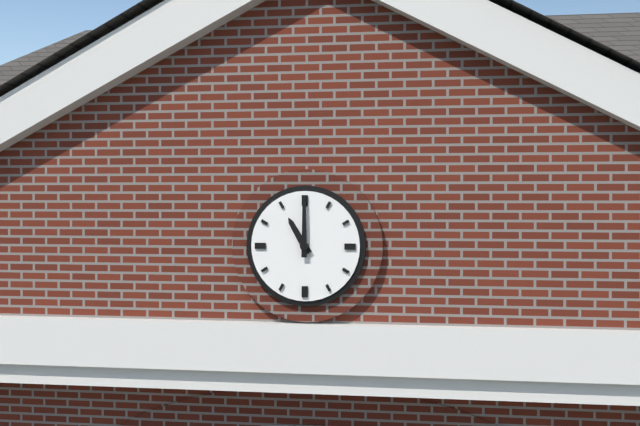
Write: 11:00
